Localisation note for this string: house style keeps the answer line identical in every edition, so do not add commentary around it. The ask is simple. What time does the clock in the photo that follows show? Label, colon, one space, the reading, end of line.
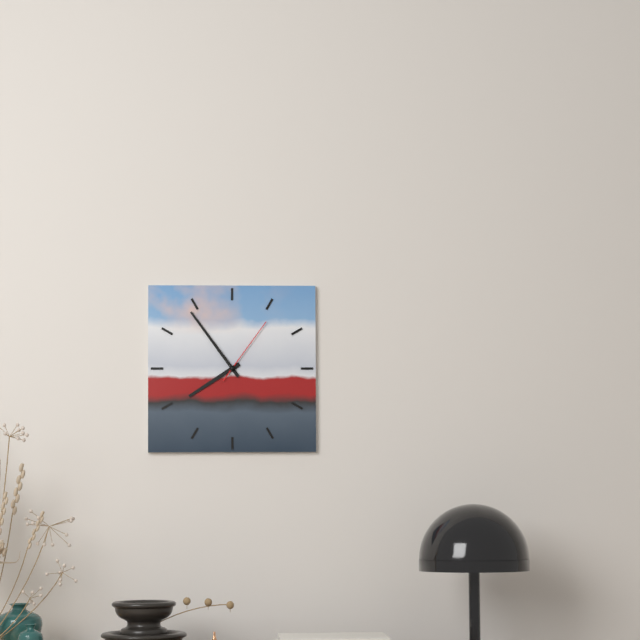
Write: 7:54:06
